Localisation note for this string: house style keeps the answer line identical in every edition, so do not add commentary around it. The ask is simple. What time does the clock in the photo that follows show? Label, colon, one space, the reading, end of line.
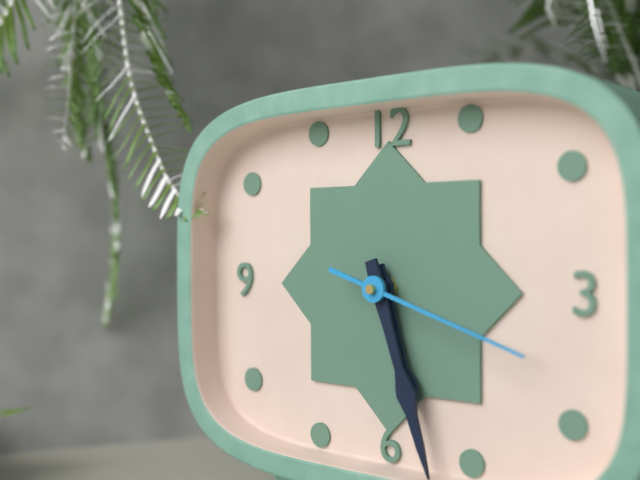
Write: 5:27:18
